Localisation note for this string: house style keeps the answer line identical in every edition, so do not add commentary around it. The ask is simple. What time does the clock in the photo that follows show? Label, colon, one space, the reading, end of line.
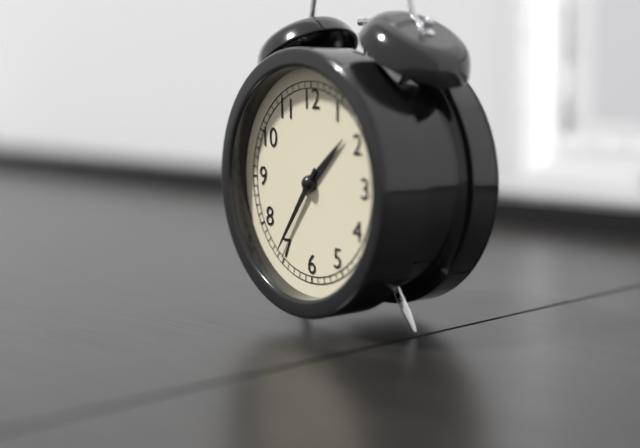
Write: 1:36
